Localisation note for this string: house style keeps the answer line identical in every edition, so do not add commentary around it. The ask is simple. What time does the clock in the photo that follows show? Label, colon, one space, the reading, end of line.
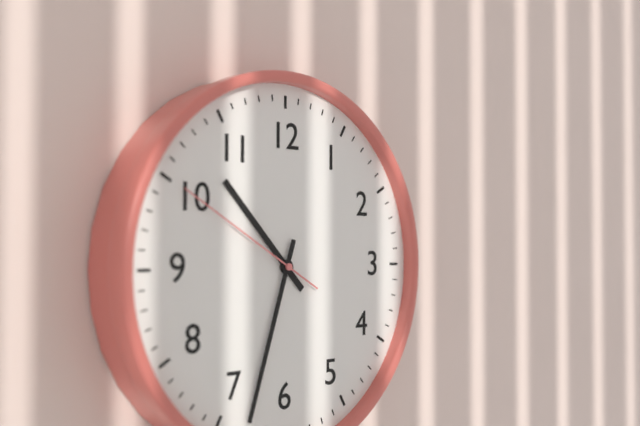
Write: 10:33:50
